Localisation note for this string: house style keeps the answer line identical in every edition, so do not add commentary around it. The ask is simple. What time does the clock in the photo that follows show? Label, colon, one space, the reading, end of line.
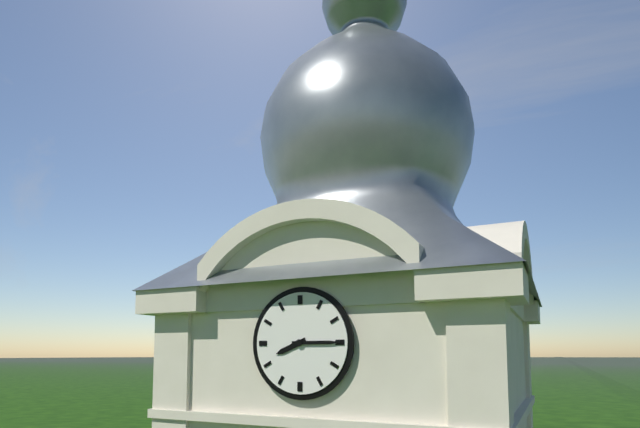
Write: 8:15
